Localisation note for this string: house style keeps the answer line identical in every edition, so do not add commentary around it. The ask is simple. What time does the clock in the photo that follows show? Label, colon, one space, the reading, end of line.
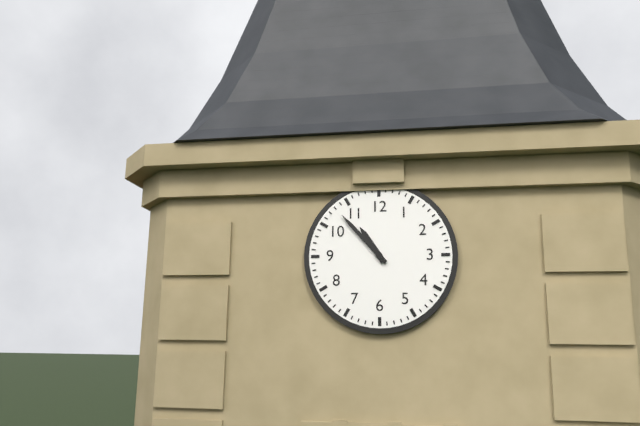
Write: 10:53
